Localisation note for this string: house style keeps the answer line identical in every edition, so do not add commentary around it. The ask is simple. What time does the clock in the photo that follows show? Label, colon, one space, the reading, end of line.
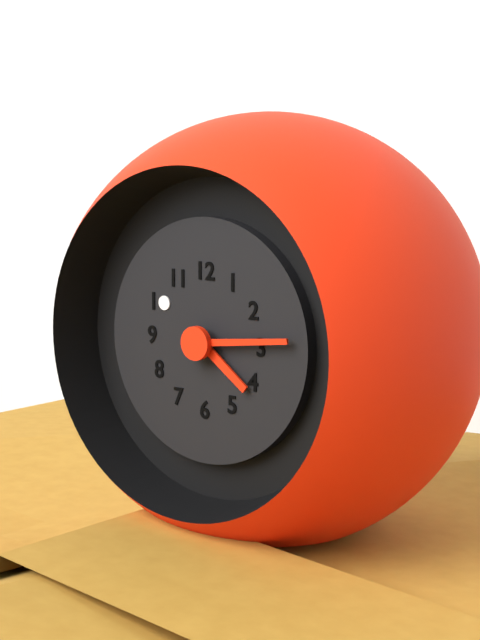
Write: 4:14
